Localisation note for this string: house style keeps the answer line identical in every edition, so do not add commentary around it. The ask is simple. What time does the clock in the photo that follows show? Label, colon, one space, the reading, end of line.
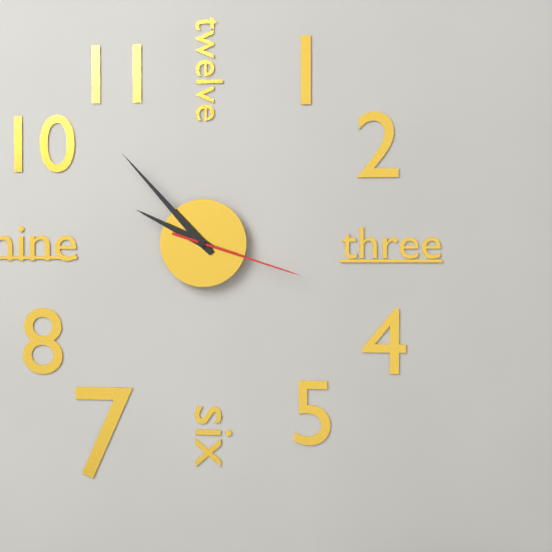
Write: 9:53:18
